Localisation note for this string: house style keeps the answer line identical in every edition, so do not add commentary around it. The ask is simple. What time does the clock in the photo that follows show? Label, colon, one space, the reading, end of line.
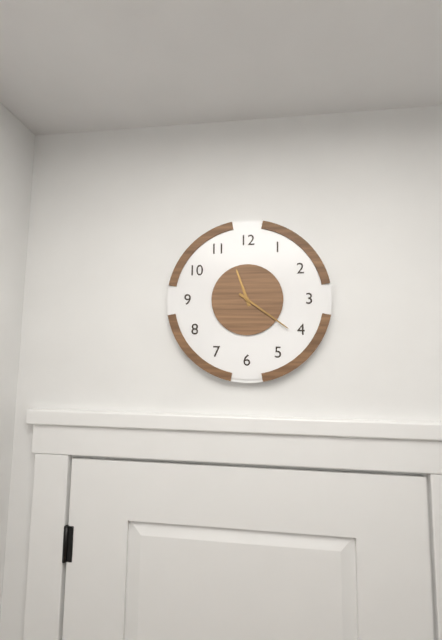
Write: 11:21
